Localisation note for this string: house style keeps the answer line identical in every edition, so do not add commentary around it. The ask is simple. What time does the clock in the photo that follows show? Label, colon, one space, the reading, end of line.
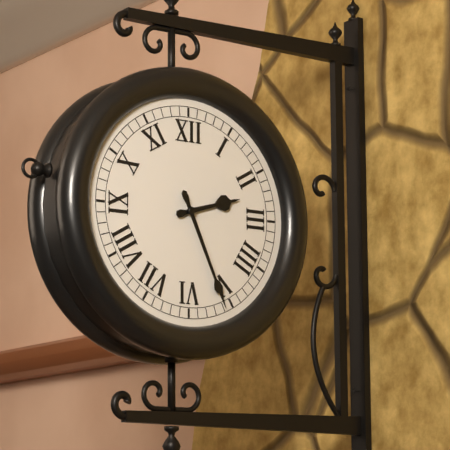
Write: 2:26
